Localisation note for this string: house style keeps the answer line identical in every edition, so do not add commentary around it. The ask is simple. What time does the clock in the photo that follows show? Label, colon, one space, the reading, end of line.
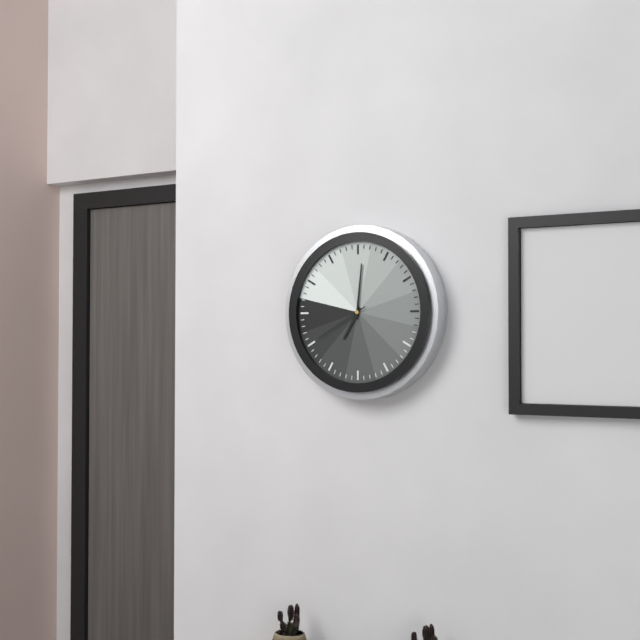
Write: 7:01:40
